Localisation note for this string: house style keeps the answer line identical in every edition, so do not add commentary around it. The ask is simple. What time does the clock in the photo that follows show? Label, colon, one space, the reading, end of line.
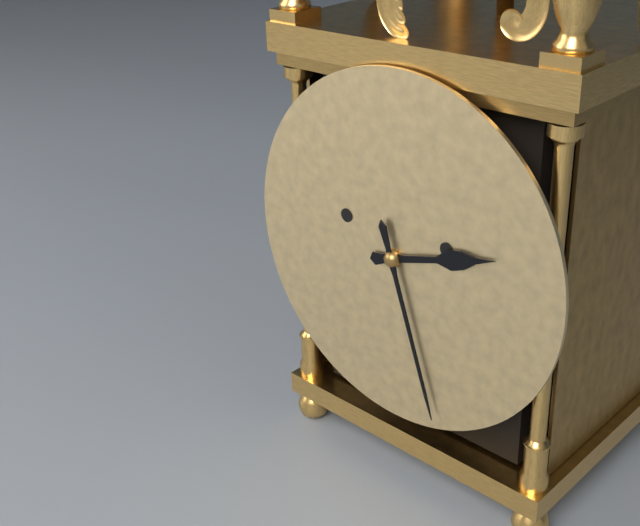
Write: 2:27
